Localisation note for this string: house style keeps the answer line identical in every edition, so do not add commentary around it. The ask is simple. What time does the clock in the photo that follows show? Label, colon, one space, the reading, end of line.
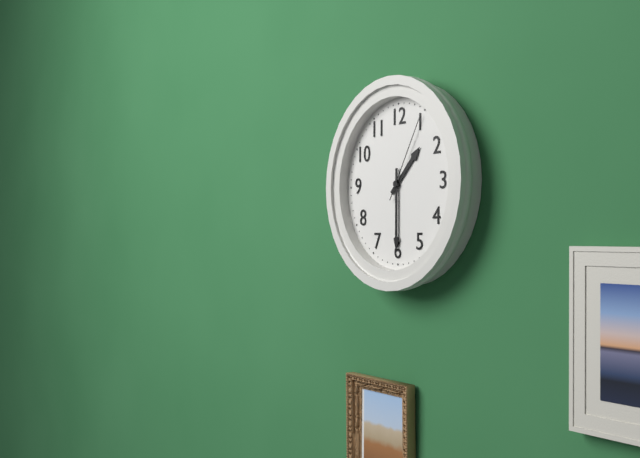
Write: 1:30:05
